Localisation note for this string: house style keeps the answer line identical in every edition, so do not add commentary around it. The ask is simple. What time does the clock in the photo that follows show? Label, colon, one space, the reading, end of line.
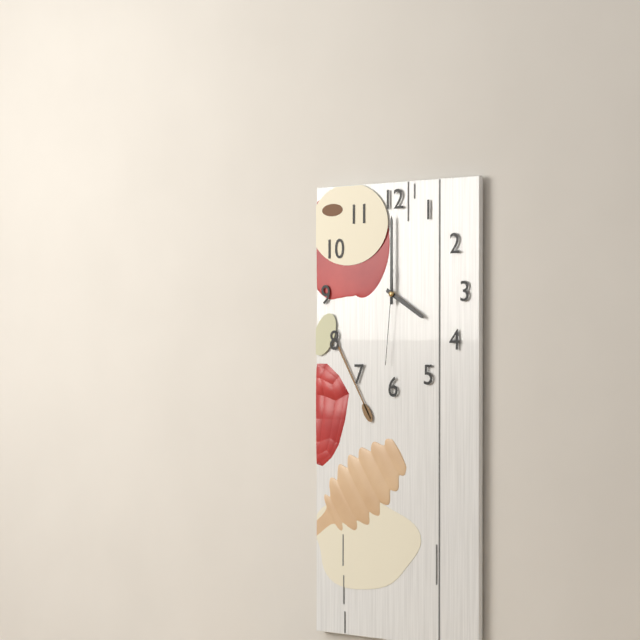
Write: 4:00:31
